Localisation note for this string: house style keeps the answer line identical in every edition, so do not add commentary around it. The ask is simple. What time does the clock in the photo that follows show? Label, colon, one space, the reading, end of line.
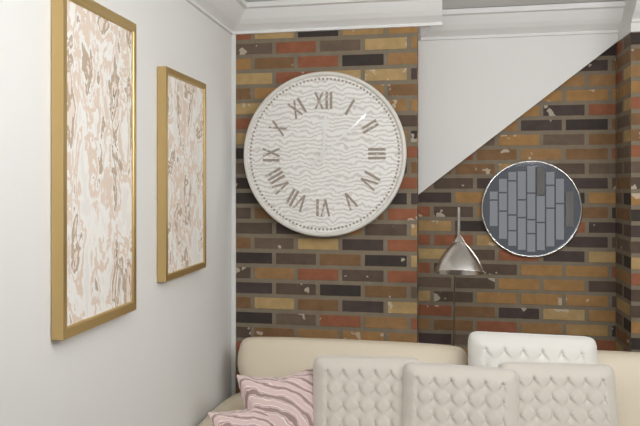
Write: 12:08
